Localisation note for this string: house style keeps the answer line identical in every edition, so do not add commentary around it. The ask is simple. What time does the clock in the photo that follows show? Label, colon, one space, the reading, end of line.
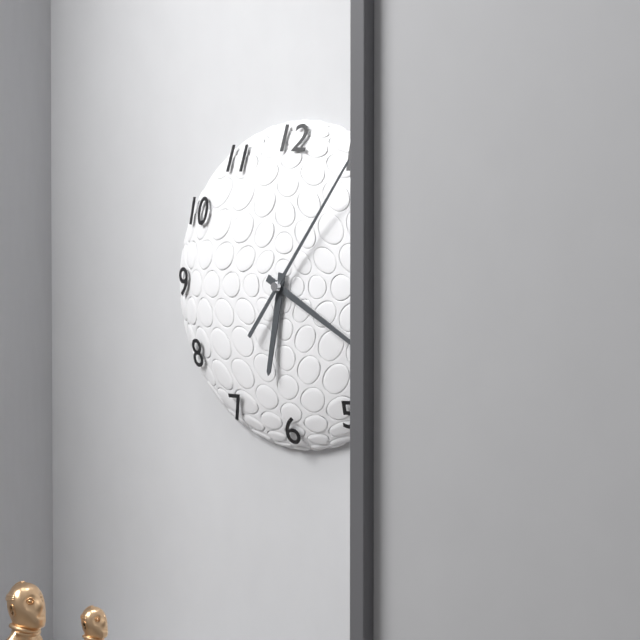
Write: 6:20:06
